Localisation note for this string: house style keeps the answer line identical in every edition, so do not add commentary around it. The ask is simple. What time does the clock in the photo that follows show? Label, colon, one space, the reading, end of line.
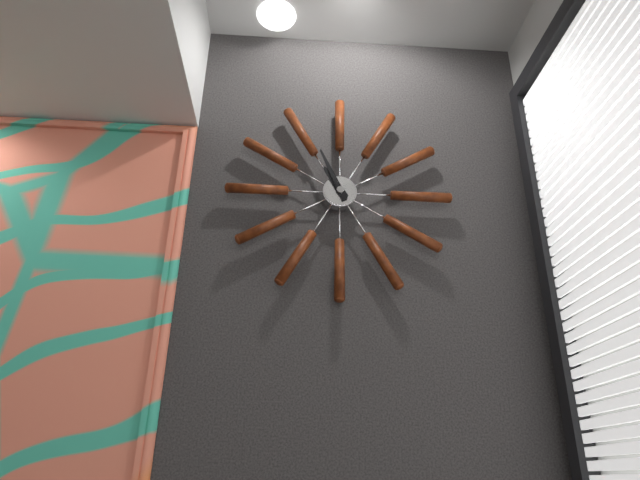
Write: 10:56
